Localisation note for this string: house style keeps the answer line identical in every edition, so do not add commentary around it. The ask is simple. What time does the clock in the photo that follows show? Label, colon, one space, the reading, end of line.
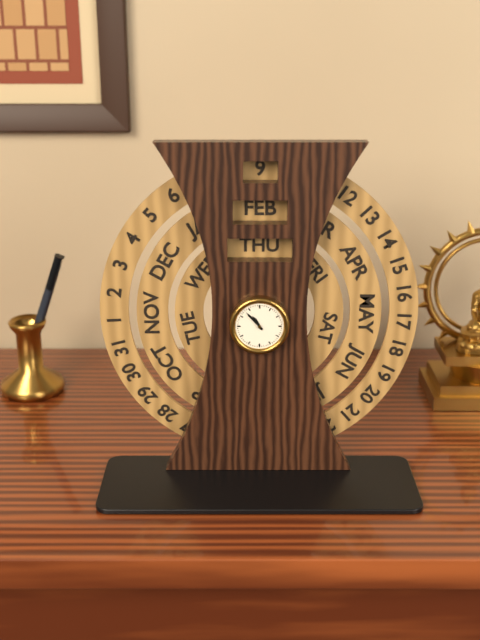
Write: 10:53
